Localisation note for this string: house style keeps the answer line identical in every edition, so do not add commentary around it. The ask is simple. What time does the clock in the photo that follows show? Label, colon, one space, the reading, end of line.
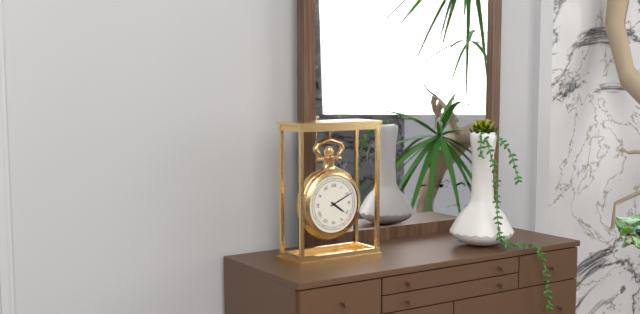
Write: 4:11
